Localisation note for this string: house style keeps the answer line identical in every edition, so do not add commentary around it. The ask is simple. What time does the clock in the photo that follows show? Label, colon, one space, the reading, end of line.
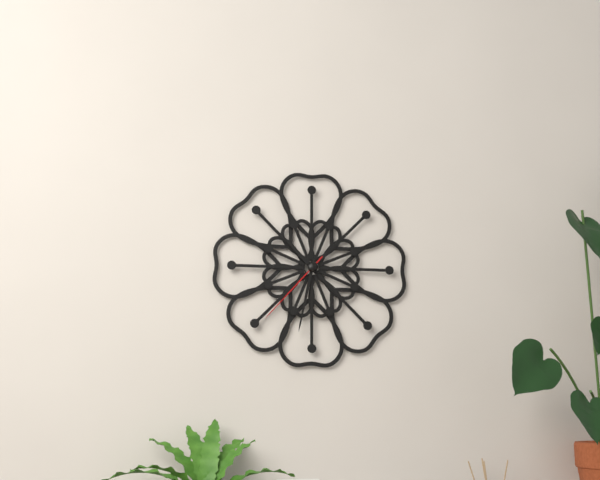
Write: 10:32:37
